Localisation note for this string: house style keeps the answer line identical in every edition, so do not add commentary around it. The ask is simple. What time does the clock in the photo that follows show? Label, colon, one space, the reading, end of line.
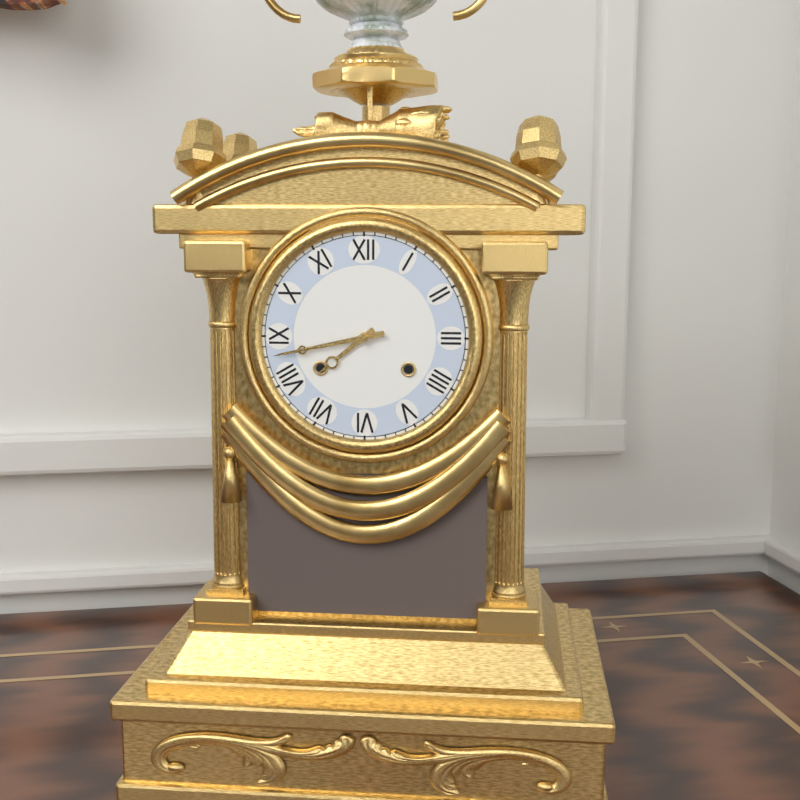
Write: 7:43
